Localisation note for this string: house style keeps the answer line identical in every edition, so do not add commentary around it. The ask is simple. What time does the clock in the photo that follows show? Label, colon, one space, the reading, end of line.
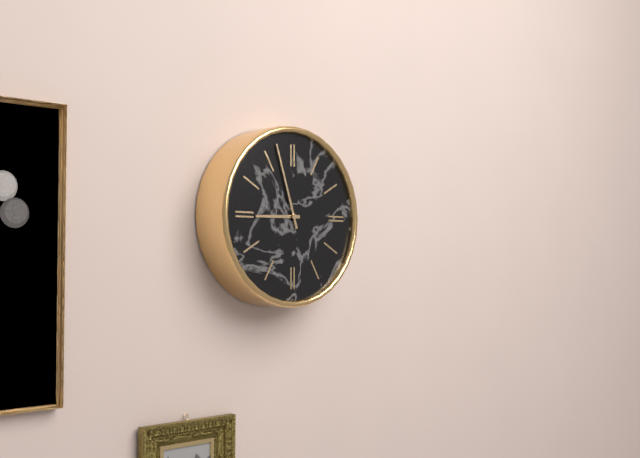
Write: 8:57
